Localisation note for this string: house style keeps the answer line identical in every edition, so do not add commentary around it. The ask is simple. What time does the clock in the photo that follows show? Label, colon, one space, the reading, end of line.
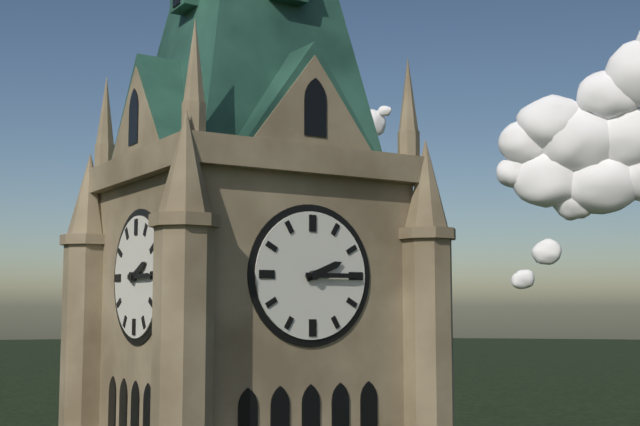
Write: 2:15
